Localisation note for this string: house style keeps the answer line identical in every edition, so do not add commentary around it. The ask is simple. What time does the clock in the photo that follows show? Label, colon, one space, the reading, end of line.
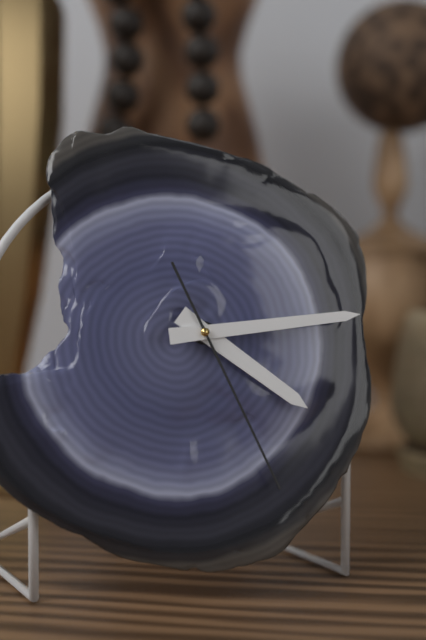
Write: 4:14:26
